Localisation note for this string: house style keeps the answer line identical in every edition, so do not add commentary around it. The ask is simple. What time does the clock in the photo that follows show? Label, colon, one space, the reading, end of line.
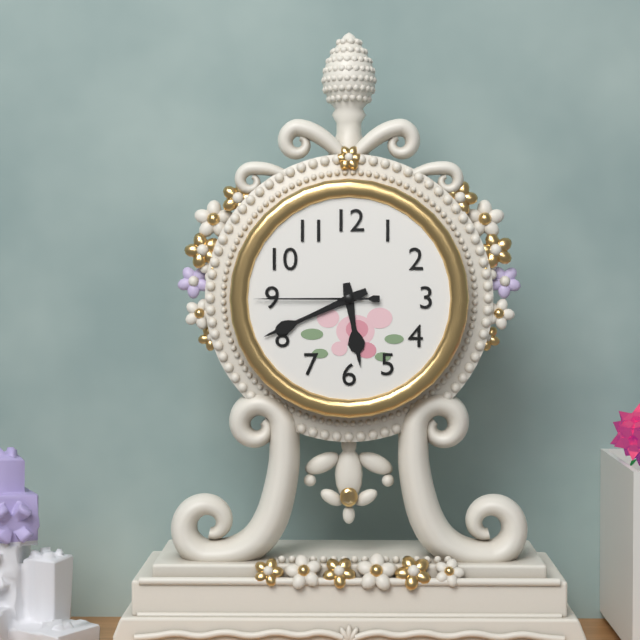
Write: 5:41:45
